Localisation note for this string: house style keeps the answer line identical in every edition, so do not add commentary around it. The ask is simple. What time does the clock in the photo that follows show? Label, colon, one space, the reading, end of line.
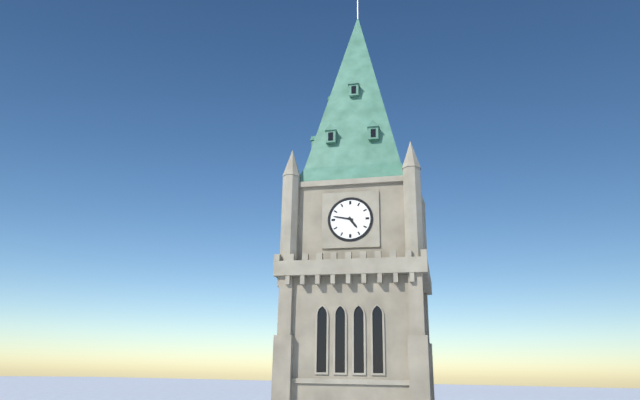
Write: 4:47
